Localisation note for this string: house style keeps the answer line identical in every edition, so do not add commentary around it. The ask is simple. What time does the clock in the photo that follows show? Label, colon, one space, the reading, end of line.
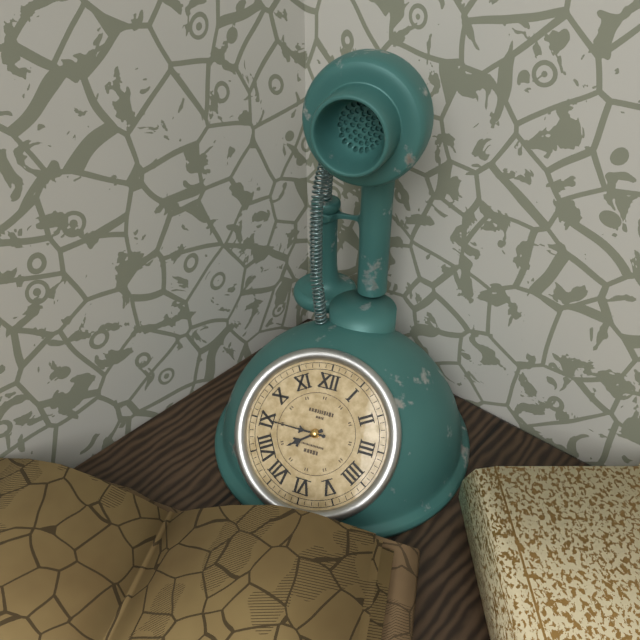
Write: 7:45
